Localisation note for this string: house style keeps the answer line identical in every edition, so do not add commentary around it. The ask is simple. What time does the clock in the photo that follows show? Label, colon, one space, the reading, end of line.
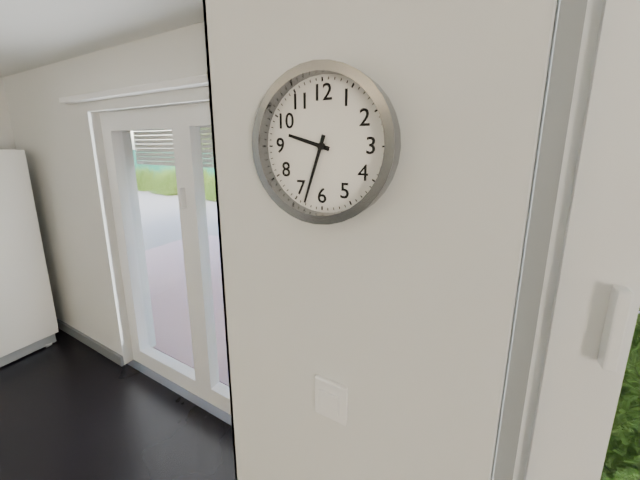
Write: 9:33
